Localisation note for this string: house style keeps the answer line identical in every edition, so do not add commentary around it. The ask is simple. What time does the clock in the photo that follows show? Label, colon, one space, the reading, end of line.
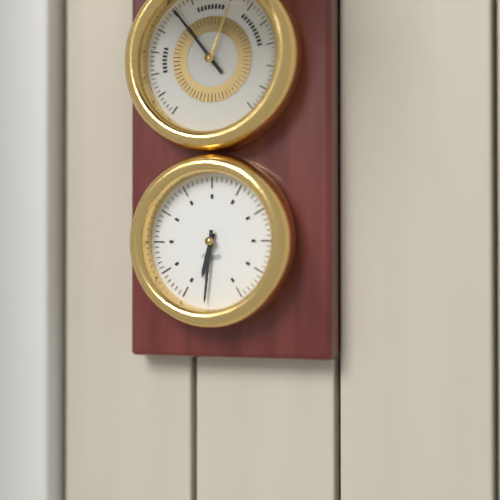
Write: 6:31
